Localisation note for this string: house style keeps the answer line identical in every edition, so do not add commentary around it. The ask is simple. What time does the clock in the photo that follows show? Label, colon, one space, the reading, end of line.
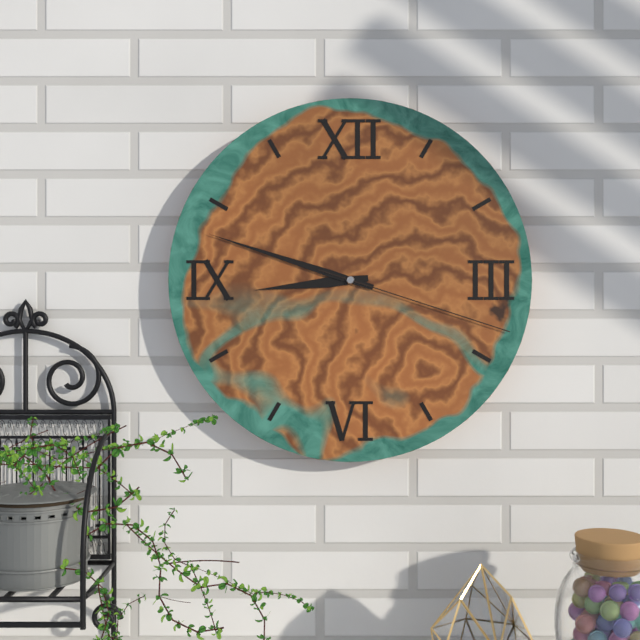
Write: 8:48:18
